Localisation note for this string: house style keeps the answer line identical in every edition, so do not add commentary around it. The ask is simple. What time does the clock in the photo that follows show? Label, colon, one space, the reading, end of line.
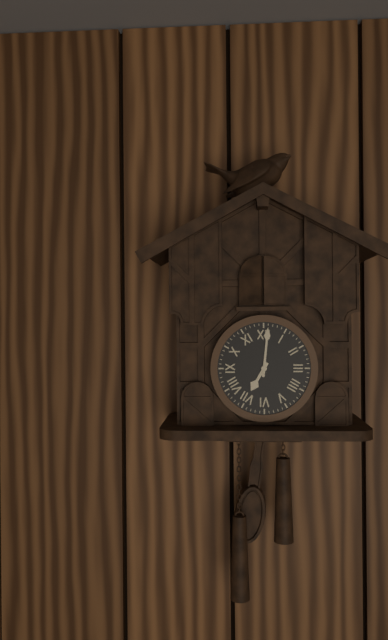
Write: 7:01
